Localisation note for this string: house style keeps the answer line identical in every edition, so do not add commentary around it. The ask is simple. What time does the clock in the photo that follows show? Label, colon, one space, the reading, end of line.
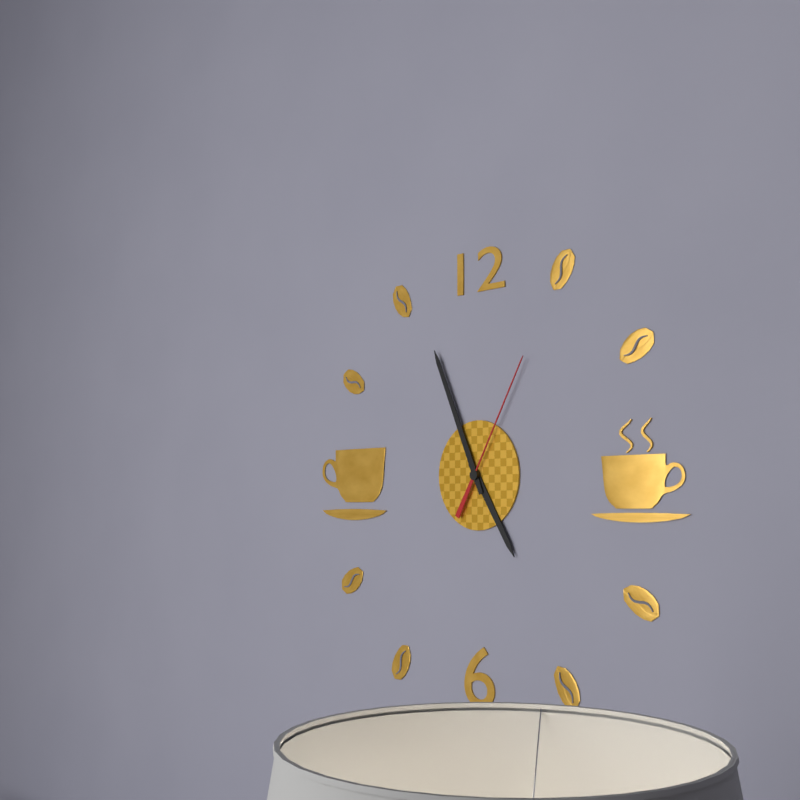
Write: 4:56:05
